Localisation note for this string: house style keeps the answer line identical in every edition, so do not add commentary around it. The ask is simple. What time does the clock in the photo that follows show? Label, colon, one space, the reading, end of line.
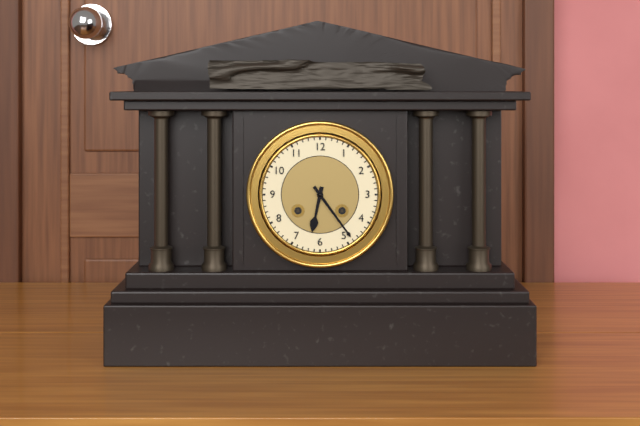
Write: 6:24
